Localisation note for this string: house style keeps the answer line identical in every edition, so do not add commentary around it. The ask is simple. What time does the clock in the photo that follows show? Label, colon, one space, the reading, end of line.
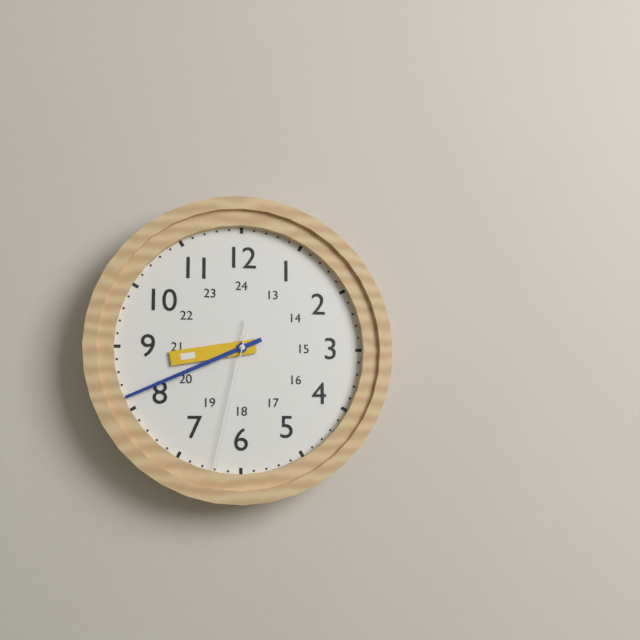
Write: 8:41:32
